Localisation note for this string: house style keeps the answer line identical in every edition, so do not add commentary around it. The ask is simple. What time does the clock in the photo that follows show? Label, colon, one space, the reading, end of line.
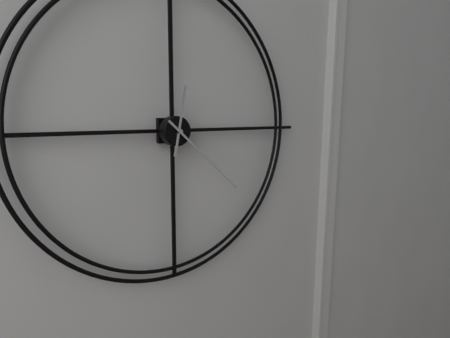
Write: 12:22
